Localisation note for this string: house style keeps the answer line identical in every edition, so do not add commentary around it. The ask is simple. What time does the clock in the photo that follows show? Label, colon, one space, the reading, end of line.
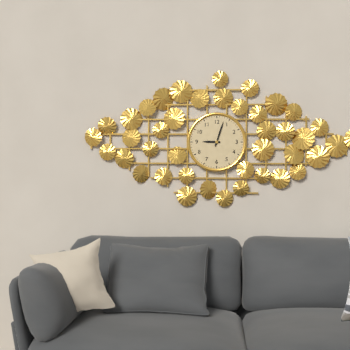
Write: 9:03
